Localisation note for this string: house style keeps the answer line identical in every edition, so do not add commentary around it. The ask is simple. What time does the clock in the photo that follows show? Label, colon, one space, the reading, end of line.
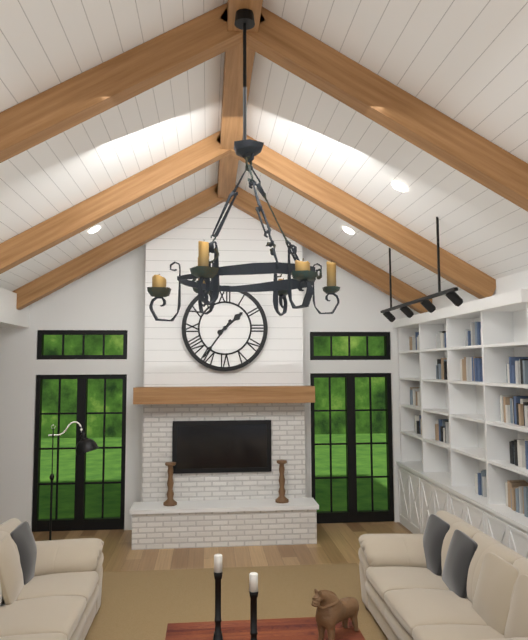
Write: 1:36
